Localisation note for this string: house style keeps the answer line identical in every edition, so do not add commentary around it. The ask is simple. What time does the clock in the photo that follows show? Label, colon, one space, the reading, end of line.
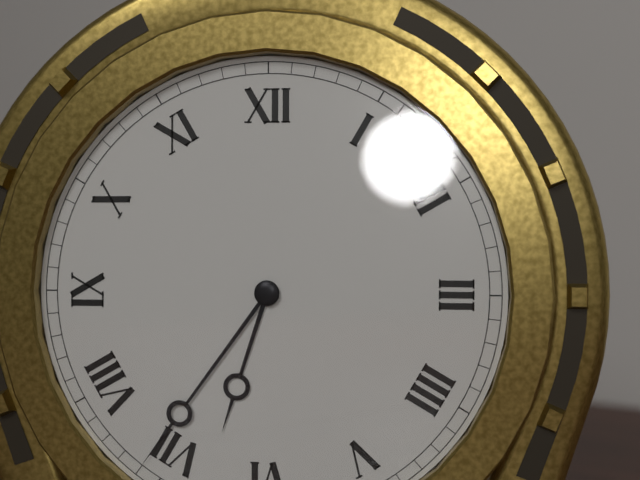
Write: 6:36
